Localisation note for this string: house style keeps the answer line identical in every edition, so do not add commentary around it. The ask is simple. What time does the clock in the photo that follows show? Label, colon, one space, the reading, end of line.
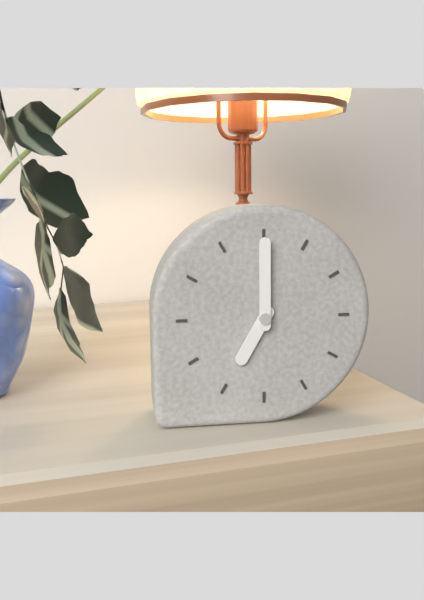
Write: 7:00
